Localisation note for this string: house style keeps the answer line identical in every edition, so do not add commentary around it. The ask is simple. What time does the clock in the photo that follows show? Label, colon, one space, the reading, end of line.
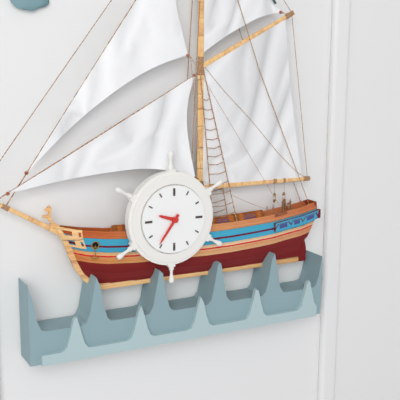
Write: 9:36
